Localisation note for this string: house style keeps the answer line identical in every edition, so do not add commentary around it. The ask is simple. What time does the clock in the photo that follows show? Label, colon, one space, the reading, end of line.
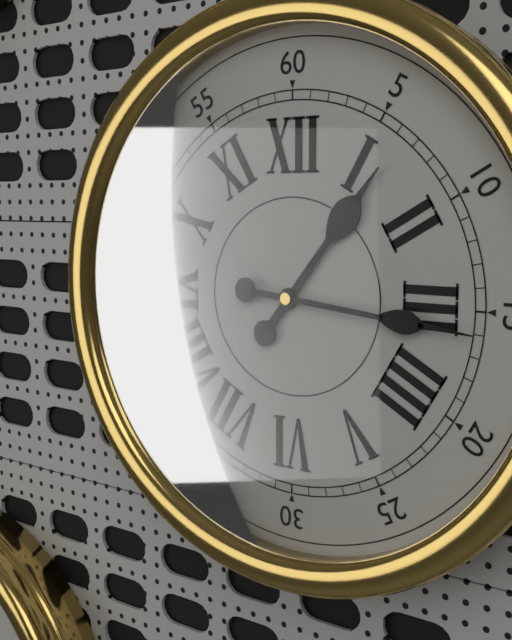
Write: 1:16
